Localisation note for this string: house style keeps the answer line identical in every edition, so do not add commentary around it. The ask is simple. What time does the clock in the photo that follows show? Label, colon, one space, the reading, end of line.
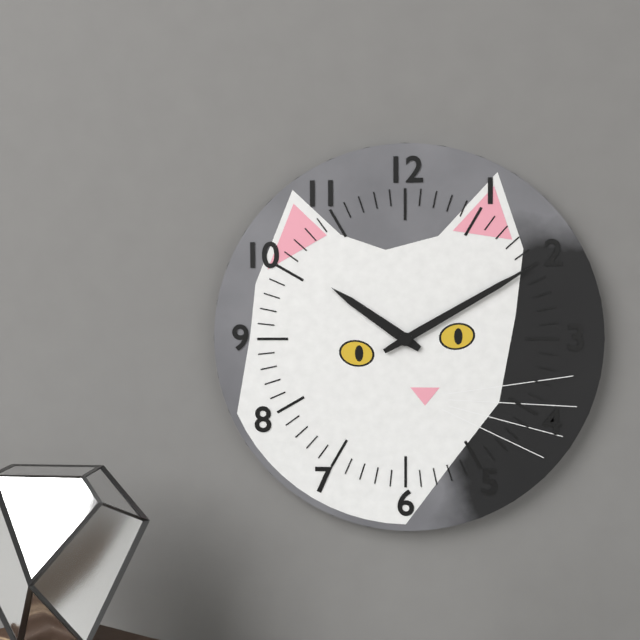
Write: 10:10
